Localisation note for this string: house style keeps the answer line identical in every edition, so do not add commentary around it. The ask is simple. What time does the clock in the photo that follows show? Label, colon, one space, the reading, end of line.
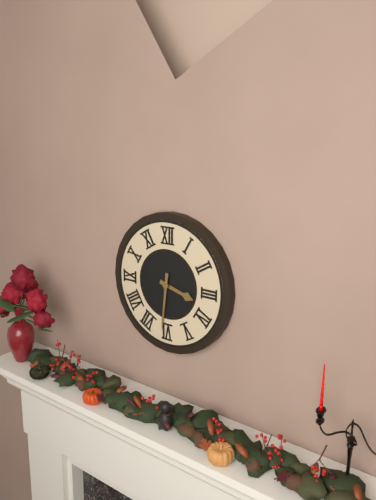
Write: 3:31
